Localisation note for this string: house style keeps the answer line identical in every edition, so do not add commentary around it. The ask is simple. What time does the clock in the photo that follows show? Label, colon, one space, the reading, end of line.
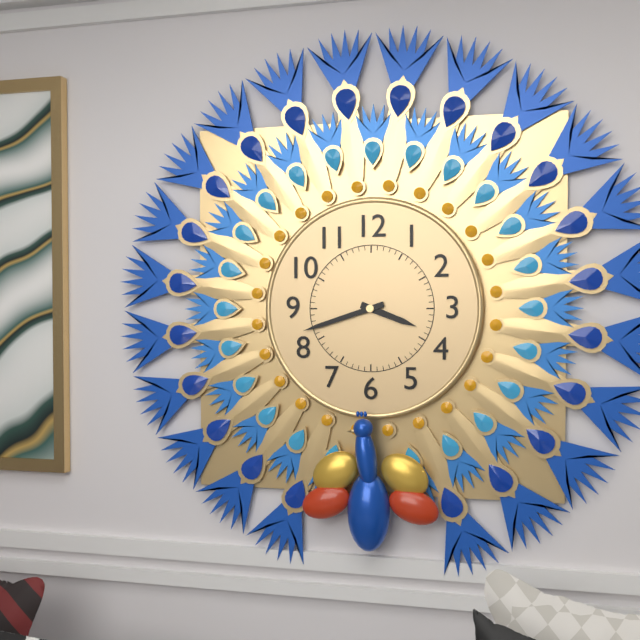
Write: 3:42
